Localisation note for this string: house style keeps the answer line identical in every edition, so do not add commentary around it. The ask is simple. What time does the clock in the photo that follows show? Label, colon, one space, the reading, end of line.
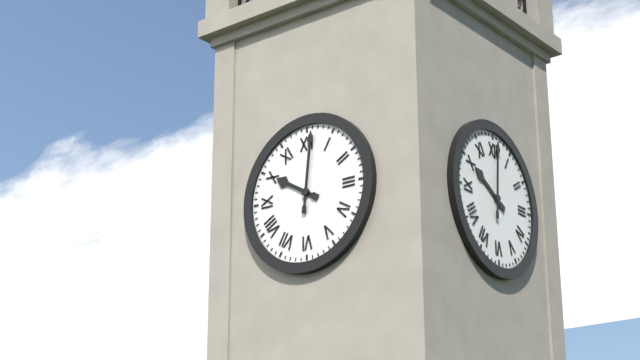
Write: 10:01
